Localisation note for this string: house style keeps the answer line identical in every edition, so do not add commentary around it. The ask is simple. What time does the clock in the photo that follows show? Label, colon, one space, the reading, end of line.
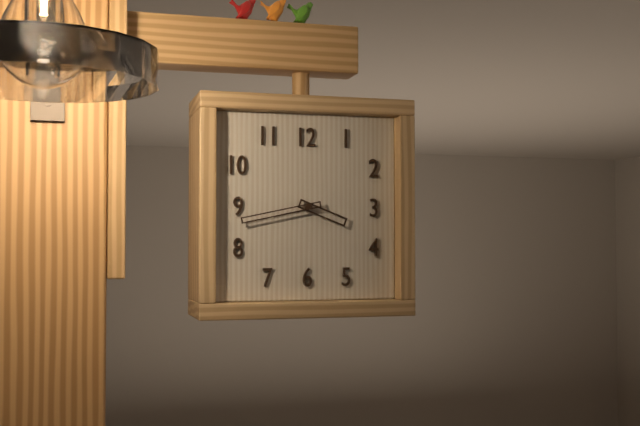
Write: 3:43
